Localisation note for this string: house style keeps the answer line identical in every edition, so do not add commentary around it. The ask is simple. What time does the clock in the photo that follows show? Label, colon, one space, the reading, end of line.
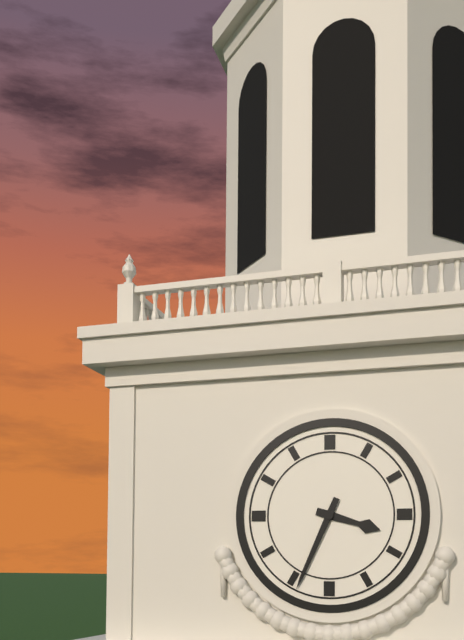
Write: 3:34
